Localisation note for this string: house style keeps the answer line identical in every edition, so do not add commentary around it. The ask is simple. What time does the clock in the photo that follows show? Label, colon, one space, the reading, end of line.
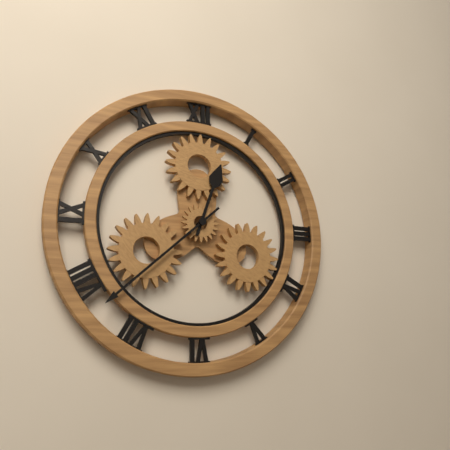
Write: 12:38
